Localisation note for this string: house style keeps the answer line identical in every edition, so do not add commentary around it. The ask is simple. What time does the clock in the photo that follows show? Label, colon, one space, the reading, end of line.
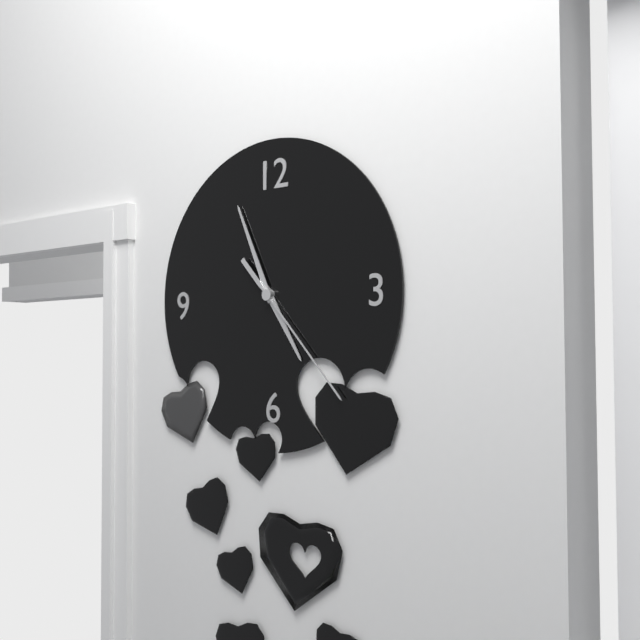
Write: 4:56:23
